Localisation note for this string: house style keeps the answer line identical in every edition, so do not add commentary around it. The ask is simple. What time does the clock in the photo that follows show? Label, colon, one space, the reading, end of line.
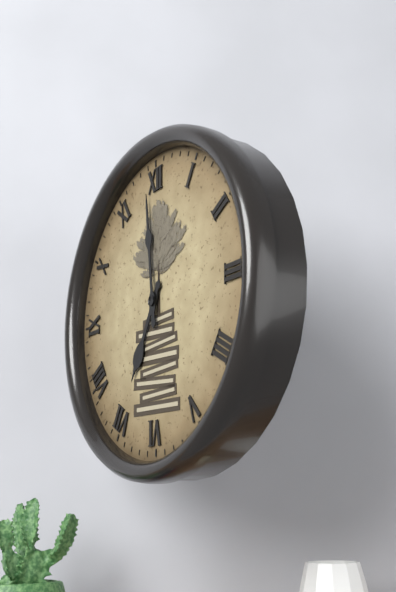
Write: 6:59
